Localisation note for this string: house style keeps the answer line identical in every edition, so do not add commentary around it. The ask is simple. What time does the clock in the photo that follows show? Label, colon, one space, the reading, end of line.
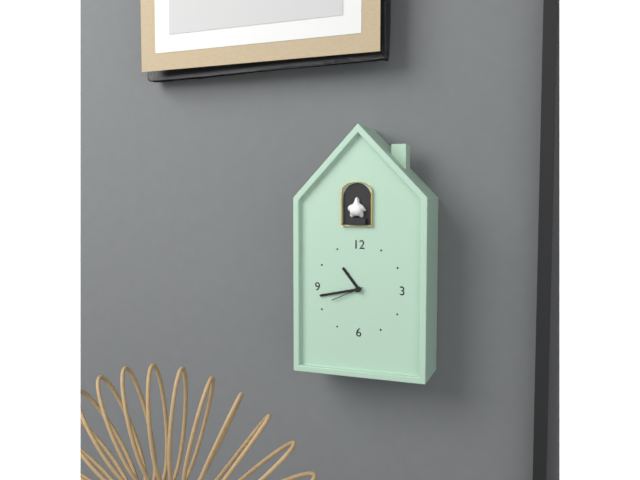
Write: 10:43
